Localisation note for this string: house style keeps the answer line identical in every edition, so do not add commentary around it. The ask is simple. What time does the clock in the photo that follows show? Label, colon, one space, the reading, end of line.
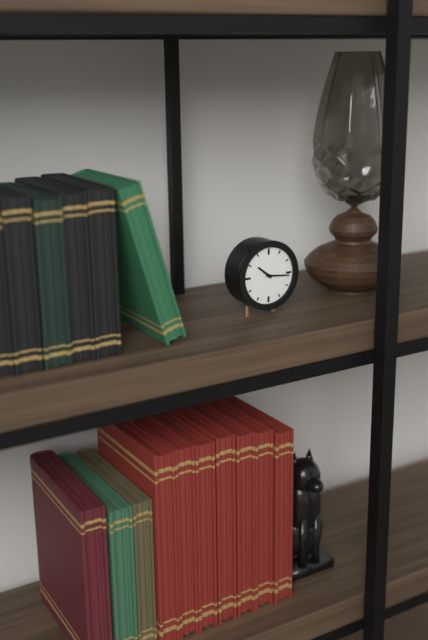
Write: 10:16
